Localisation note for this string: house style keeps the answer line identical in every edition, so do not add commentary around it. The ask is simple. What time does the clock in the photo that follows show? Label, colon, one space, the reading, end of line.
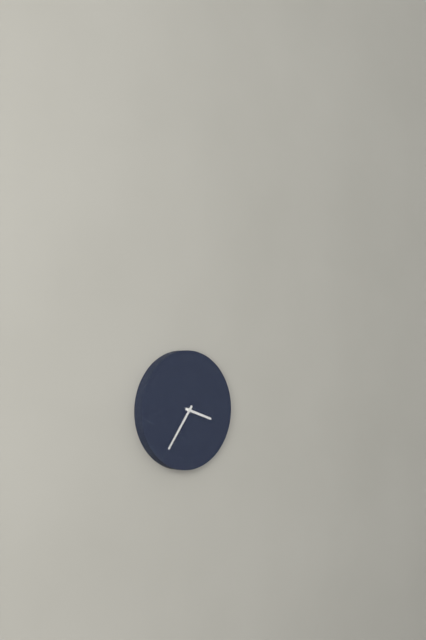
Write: 3:36
